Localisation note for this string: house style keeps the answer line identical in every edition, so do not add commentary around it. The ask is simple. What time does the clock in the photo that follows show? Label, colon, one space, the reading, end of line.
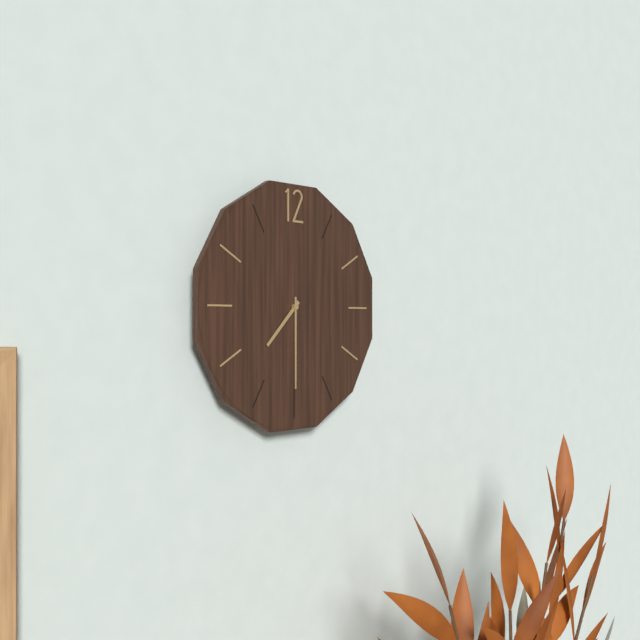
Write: 7:30
